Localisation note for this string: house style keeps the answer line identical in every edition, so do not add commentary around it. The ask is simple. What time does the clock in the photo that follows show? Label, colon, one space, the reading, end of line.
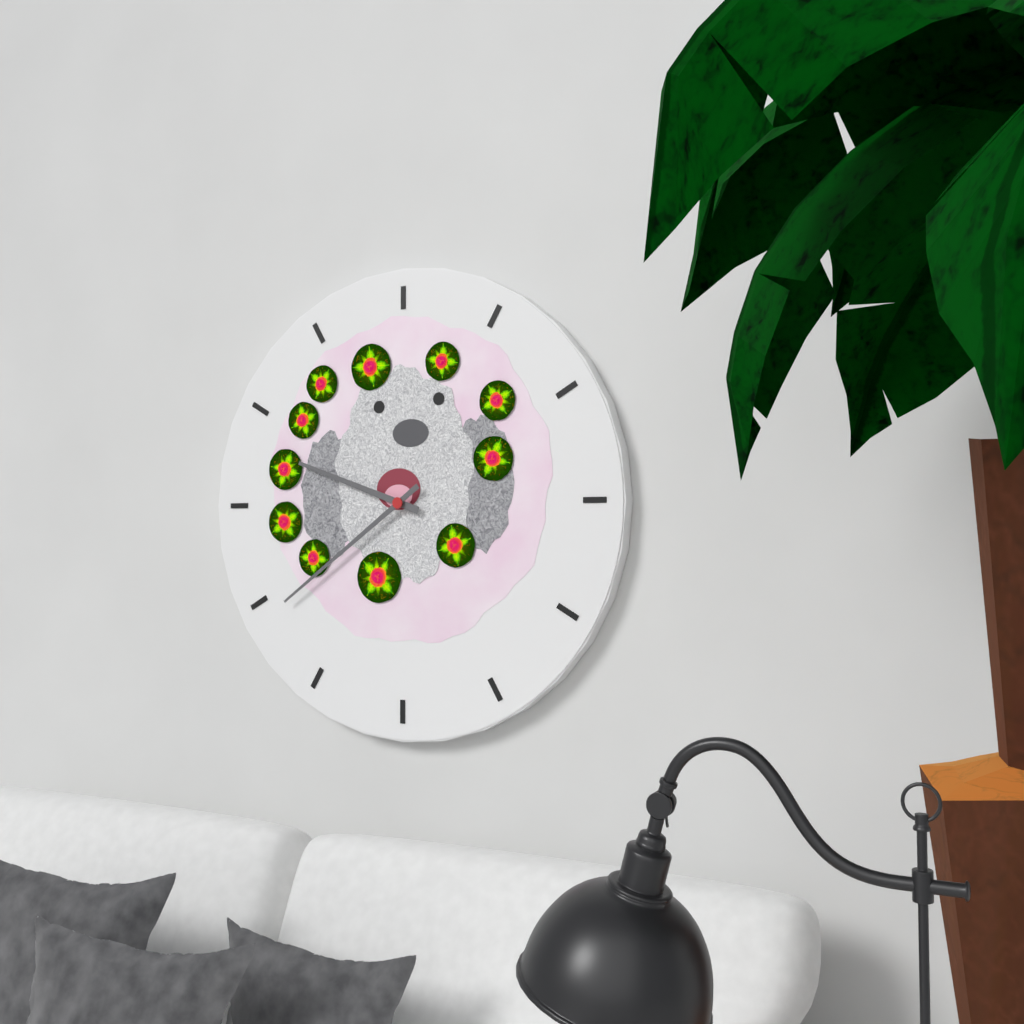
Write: 9:39
